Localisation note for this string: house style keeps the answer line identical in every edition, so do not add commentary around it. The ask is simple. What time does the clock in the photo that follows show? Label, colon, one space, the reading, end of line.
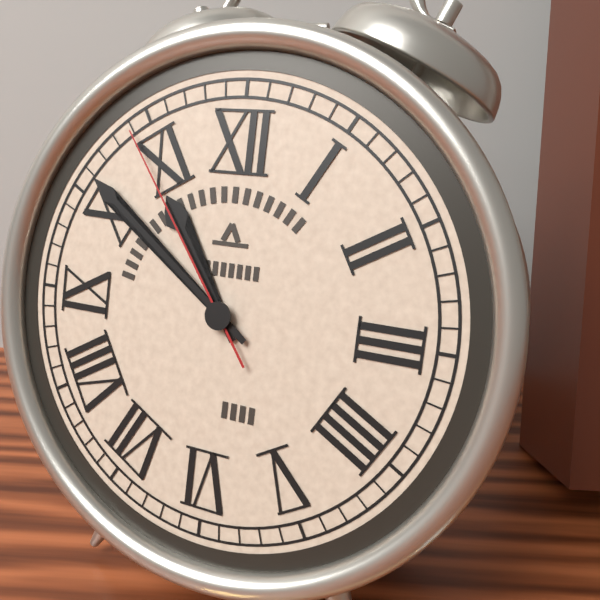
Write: 10:51:54
